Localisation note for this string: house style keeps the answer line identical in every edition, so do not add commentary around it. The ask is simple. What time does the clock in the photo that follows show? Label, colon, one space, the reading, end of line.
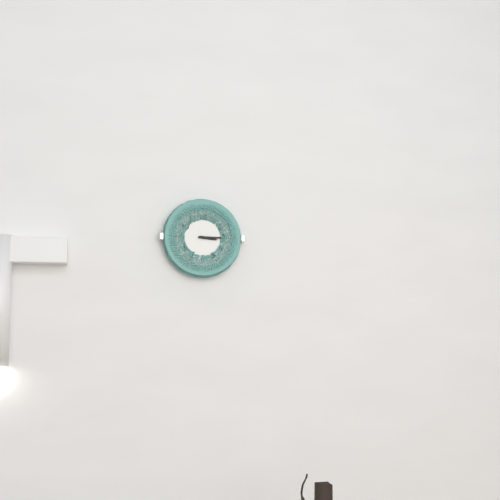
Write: 3:15
